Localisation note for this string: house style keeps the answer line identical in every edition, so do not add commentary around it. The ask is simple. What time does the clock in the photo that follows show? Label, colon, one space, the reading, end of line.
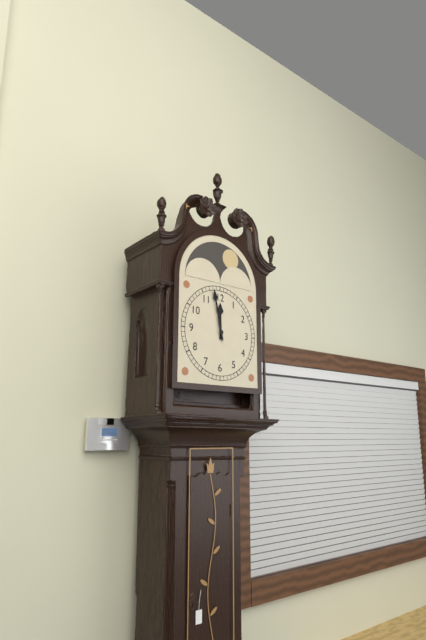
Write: 11:58
